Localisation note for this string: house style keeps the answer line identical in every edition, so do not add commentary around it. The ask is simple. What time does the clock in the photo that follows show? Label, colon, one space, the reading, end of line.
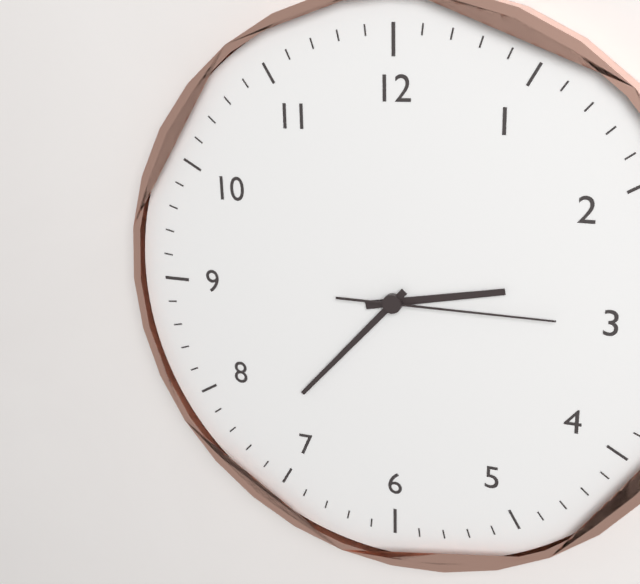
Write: 2:37:15
